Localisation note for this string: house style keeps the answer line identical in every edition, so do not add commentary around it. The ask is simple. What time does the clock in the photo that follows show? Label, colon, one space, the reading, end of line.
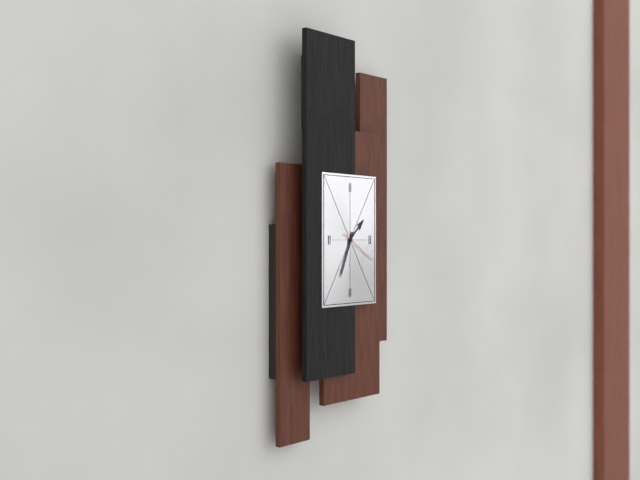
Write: 1:34:20
